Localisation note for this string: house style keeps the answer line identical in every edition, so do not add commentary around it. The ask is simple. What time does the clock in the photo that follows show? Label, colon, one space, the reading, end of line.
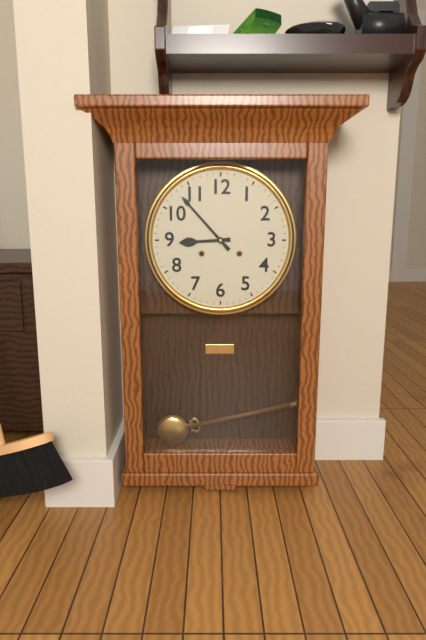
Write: 8:53
